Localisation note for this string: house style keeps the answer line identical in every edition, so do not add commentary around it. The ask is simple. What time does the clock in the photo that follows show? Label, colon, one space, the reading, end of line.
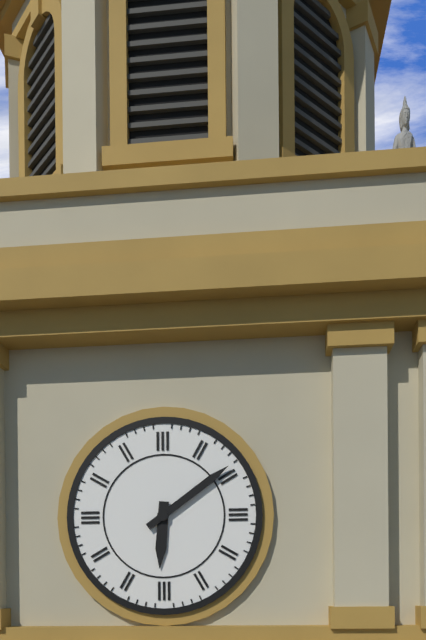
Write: 6:09
